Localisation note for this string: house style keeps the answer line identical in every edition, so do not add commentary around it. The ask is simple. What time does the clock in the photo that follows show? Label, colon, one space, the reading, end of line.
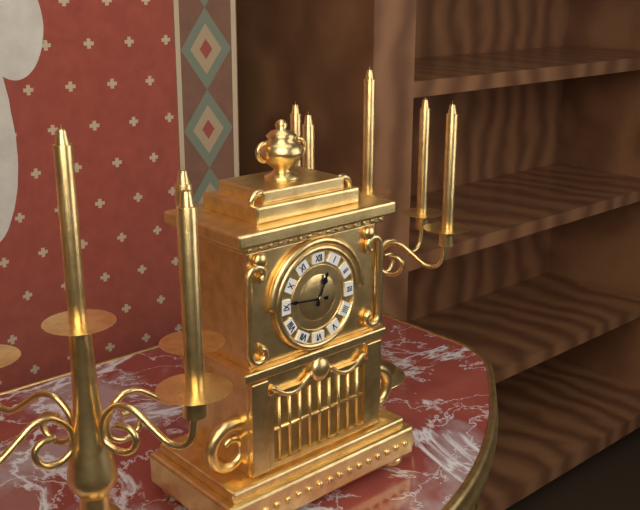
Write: 12:46
